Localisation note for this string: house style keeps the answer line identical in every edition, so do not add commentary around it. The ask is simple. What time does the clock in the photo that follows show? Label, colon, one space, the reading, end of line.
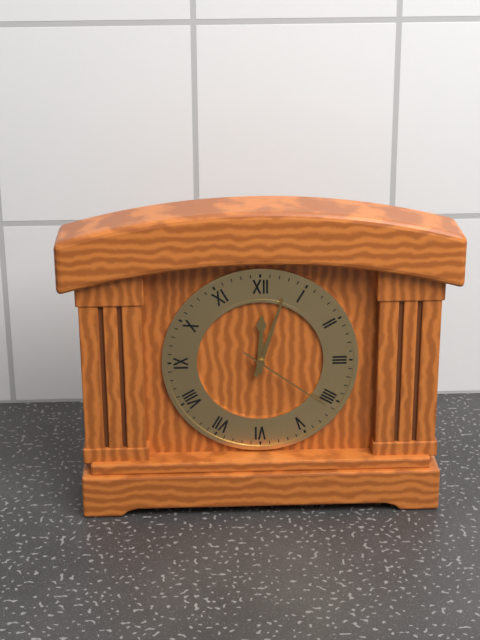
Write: 12:03:21
